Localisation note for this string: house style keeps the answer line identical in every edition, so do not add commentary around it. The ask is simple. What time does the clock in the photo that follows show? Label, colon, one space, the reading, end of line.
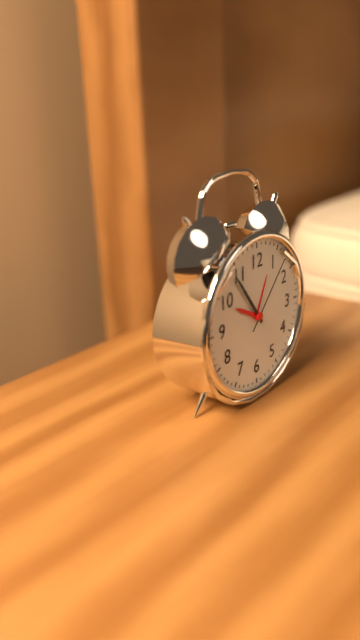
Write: 9:54:07
